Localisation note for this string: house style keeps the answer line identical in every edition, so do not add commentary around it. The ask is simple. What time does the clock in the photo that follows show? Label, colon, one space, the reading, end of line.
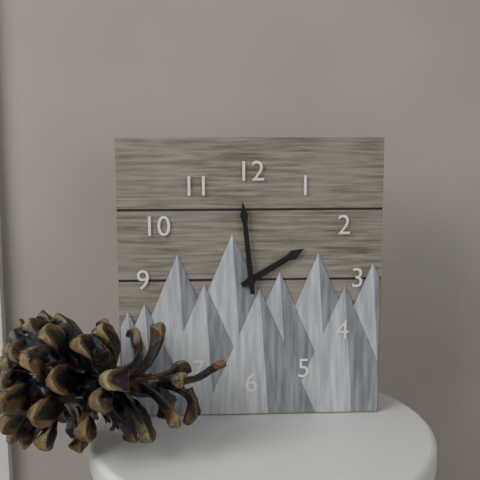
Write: 1:59
